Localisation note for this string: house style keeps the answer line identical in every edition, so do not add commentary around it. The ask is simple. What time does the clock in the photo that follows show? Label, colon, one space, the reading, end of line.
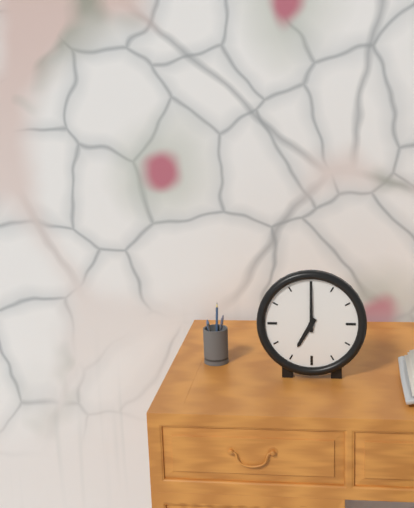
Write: 7:00
